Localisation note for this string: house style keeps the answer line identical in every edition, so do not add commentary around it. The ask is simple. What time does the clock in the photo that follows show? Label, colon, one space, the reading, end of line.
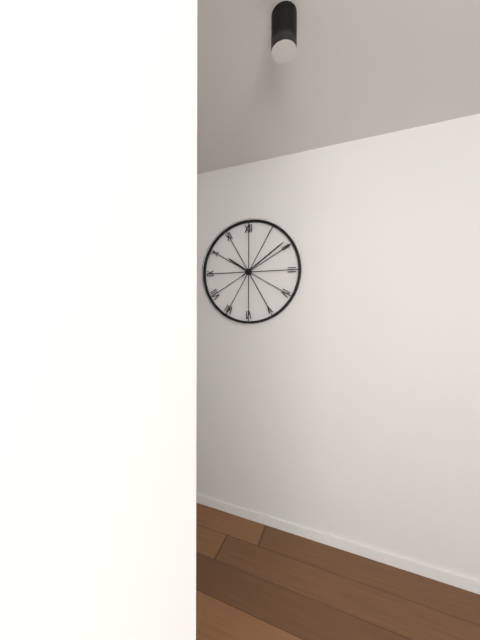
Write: 10:09
